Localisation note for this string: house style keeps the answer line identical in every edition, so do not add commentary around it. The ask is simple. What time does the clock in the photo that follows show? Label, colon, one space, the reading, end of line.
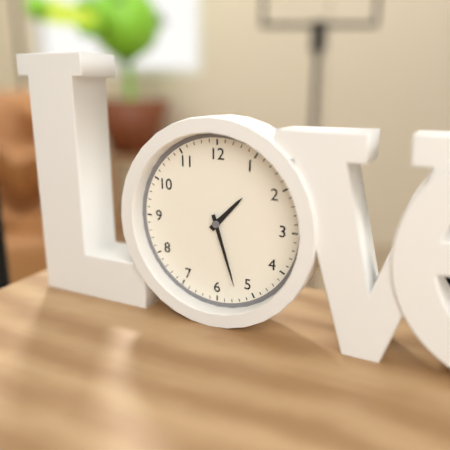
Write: 1:27
